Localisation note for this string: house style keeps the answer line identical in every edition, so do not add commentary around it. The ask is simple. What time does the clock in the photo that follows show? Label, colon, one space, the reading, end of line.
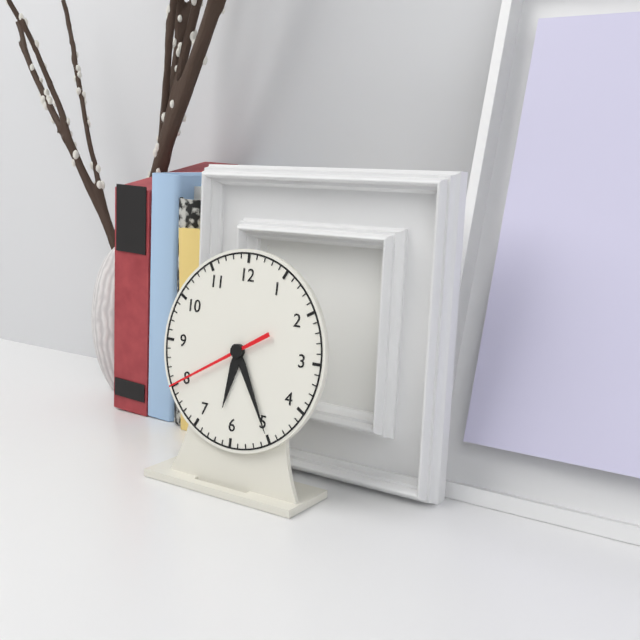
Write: 6:25:40
